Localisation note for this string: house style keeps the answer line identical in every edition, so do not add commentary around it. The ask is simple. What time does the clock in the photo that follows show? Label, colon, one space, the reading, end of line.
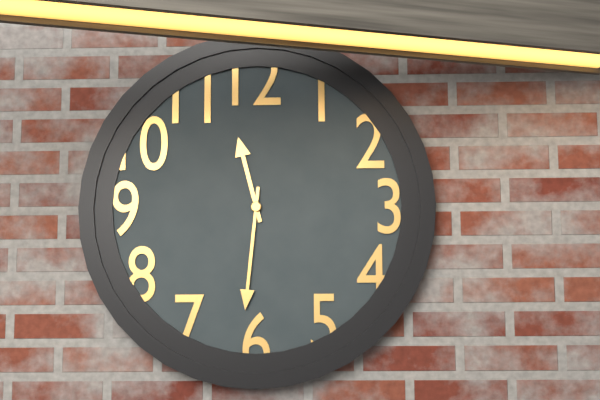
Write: 11:31
